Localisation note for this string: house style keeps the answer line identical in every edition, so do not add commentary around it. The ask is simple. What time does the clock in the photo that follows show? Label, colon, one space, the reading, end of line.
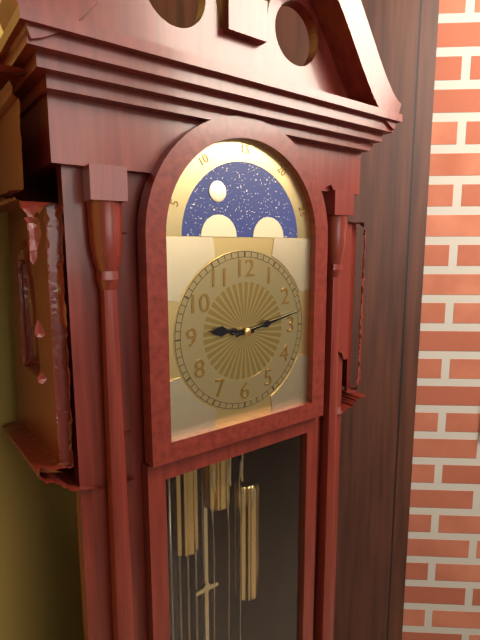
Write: 9:13
